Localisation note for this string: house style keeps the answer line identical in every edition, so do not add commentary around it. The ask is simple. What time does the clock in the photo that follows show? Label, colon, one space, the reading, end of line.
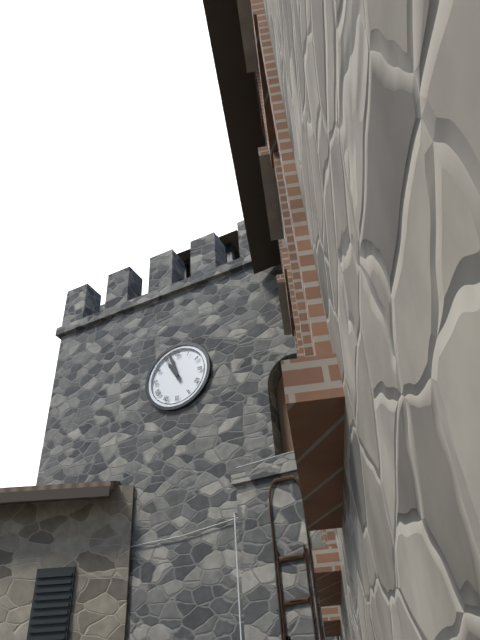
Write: 10:57
